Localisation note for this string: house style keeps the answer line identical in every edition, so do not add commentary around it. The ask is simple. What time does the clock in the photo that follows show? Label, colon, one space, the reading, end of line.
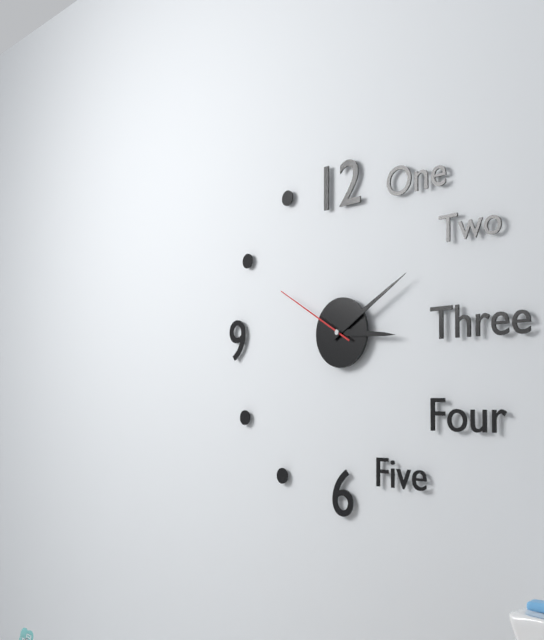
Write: 3:10:50
